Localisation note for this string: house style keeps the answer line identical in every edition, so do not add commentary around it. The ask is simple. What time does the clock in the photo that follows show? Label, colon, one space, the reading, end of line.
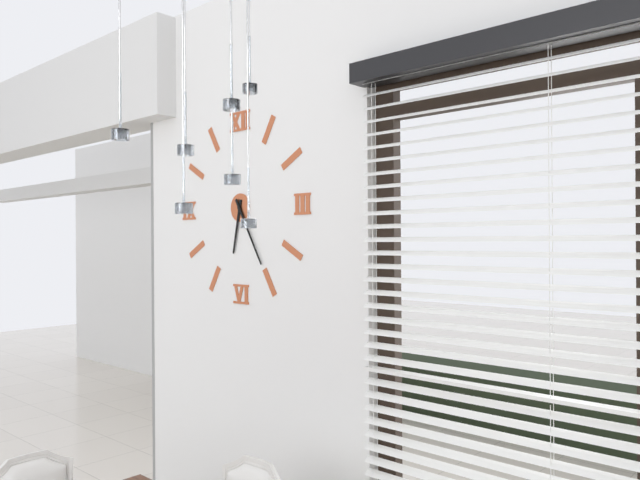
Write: 6:25
